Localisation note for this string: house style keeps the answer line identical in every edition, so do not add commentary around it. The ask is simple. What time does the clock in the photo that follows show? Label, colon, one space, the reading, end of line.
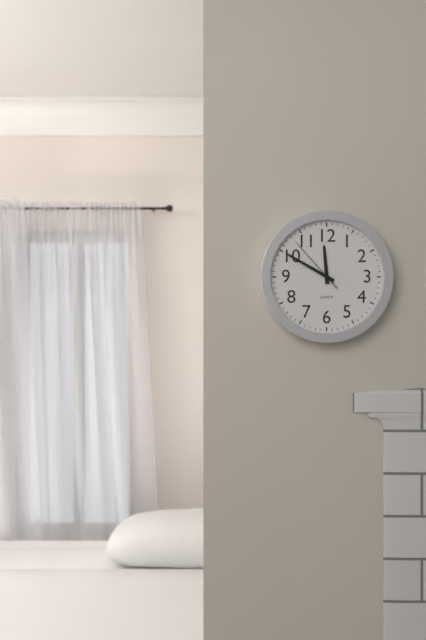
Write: 11:50:53
